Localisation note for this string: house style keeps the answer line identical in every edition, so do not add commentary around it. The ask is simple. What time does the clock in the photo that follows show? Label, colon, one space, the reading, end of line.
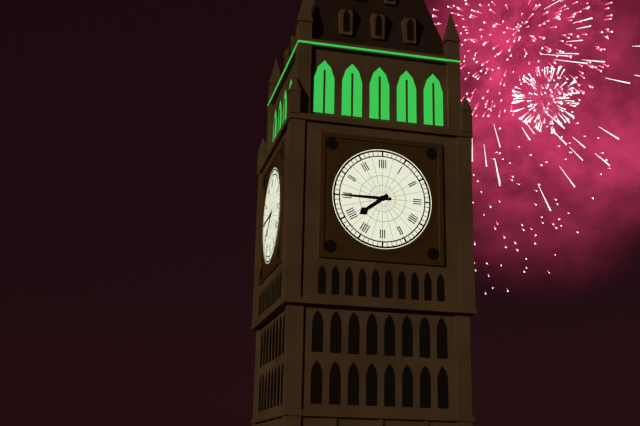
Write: 7:45
